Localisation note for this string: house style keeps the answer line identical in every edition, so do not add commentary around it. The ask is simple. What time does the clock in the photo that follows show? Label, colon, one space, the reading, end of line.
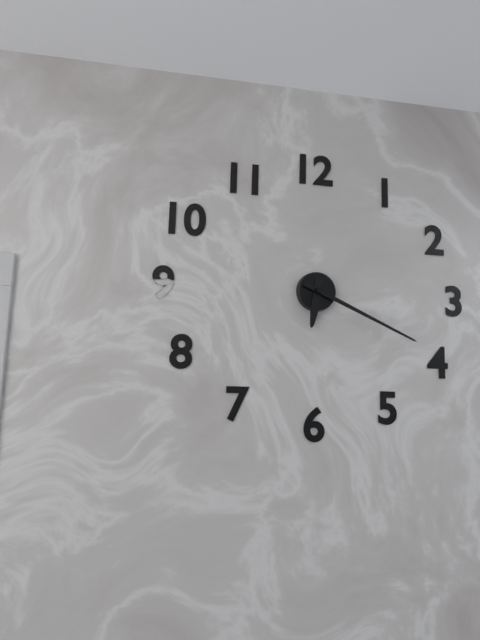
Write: 6:19
